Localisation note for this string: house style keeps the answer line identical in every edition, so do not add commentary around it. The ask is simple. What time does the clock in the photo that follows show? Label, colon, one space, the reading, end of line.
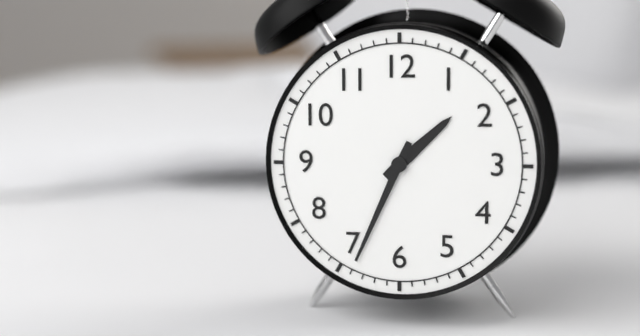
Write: 1:34
